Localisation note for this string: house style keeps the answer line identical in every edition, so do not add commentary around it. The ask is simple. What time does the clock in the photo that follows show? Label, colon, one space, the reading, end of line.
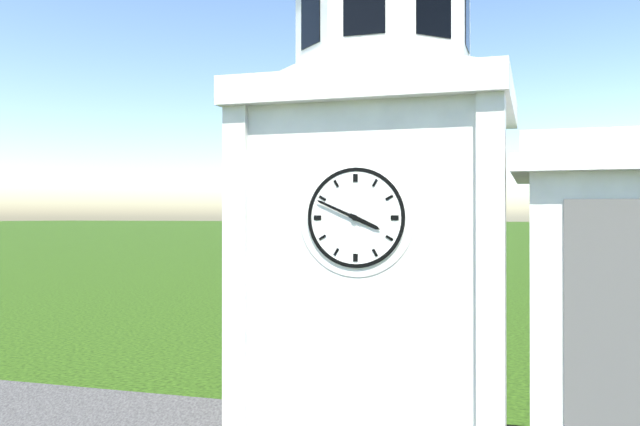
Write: 3:49
